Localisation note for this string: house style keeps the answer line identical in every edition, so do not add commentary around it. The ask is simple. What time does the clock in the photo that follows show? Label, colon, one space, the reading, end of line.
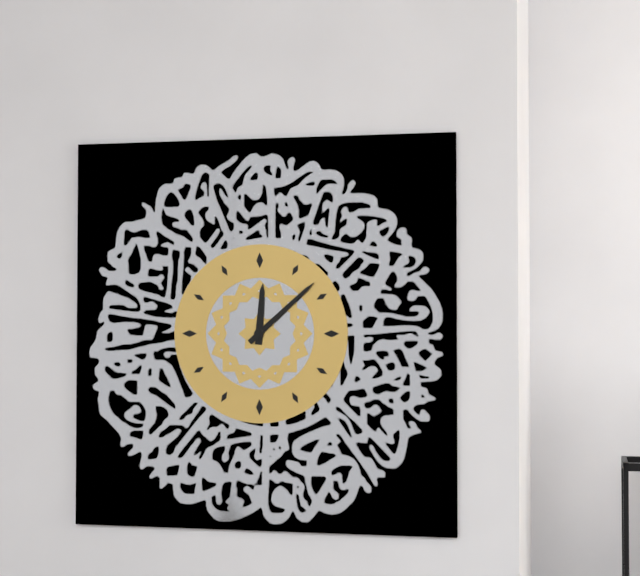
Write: 12:08
